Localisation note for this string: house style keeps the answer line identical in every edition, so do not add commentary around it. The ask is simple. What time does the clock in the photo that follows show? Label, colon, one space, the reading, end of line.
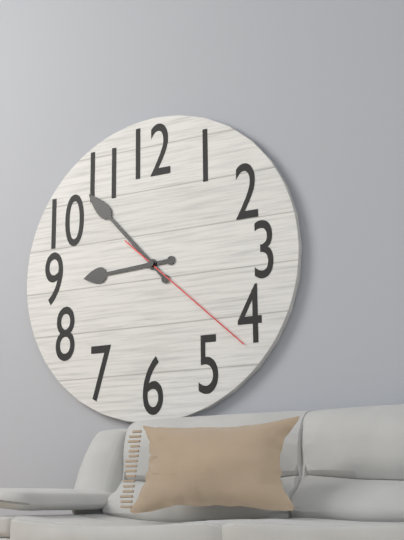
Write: 8:53:22
